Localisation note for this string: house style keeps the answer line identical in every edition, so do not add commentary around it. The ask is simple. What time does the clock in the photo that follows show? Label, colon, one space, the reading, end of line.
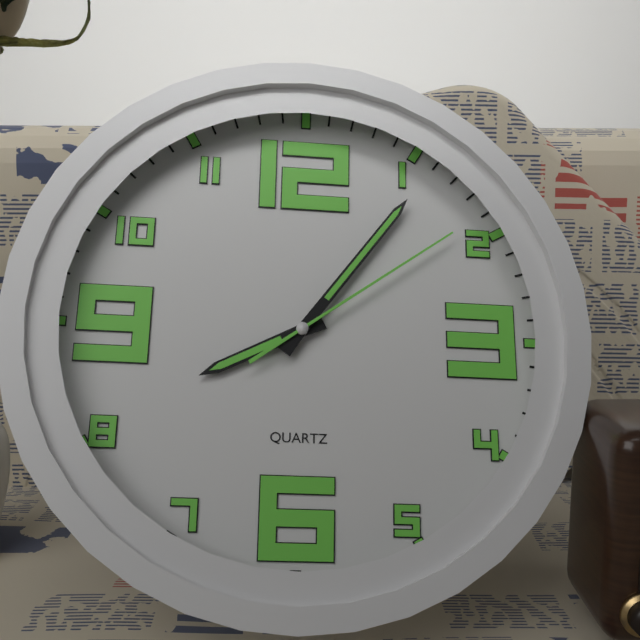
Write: 8:06:09
